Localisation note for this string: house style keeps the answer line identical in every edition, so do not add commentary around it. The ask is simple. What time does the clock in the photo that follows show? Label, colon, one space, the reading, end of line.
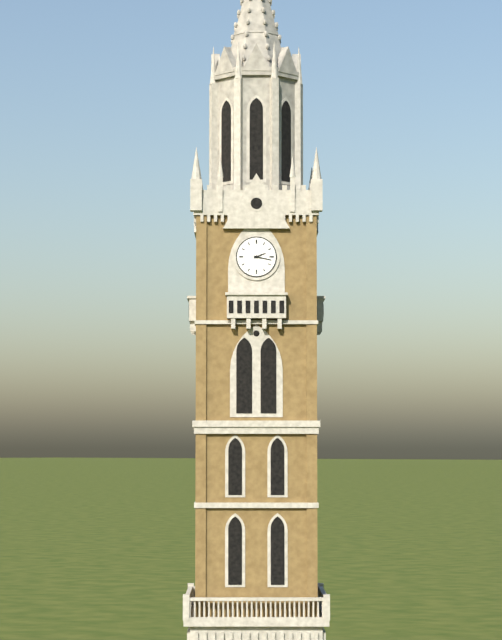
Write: 2:17
